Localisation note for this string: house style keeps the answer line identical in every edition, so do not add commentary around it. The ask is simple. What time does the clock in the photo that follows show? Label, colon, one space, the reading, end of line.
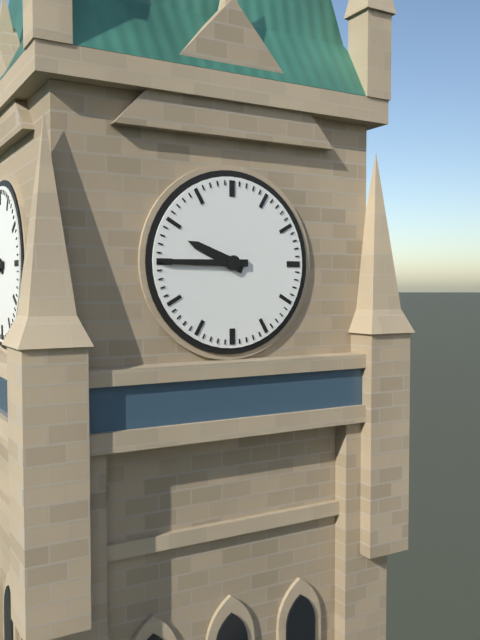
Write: 9:45
